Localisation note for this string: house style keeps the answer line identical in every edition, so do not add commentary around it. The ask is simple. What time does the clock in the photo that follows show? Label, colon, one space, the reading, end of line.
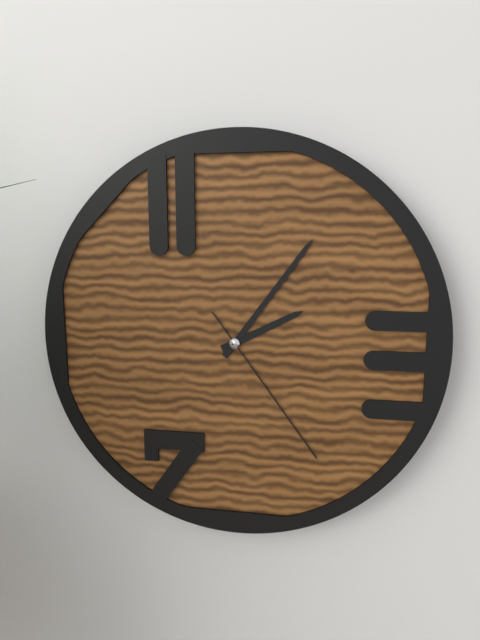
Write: 2:06:24
